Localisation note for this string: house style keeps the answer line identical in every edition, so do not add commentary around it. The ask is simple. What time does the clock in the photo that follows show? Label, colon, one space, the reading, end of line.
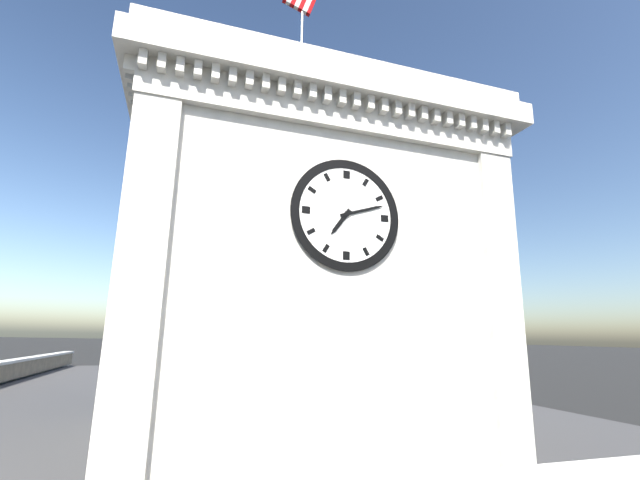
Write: 7:12
